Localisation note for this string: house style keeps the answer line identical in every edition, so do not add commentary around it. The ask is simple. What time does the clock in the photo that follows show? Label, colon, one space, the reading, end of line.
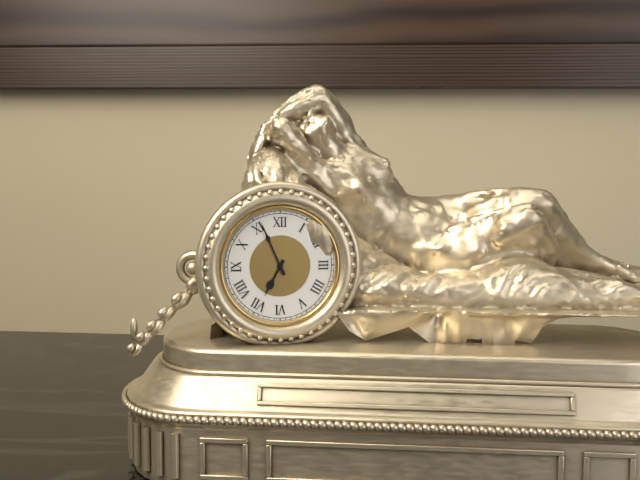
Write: 6:56
